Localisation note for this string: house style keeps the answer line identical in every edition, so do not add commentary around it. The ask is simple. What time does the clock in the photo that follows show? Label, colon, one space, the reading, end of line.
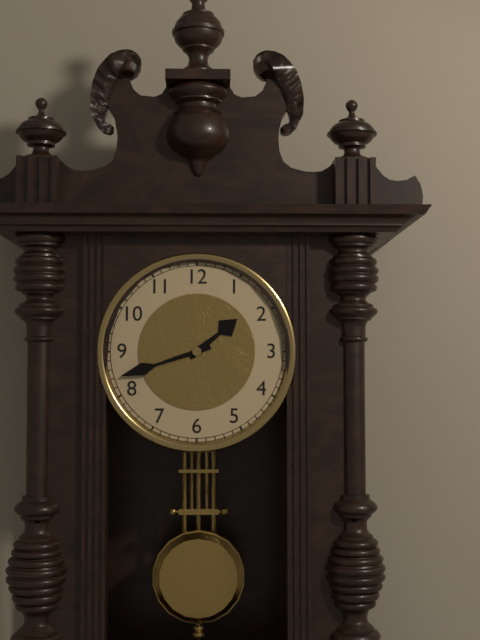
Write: 1:42
